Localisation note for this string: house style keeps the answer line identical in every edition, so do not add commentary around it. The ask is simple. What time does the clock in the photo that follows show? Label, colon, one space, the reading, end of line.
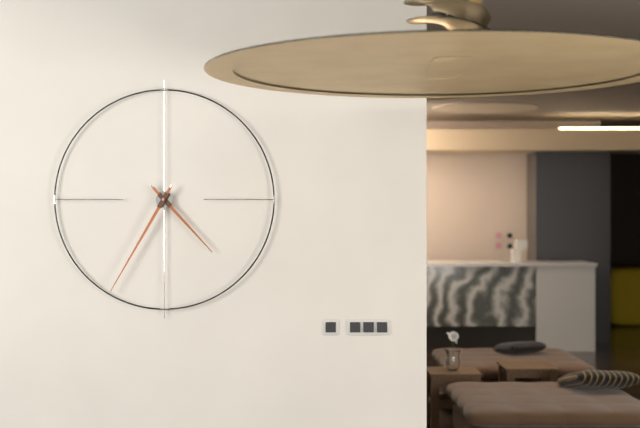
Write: 4:35
